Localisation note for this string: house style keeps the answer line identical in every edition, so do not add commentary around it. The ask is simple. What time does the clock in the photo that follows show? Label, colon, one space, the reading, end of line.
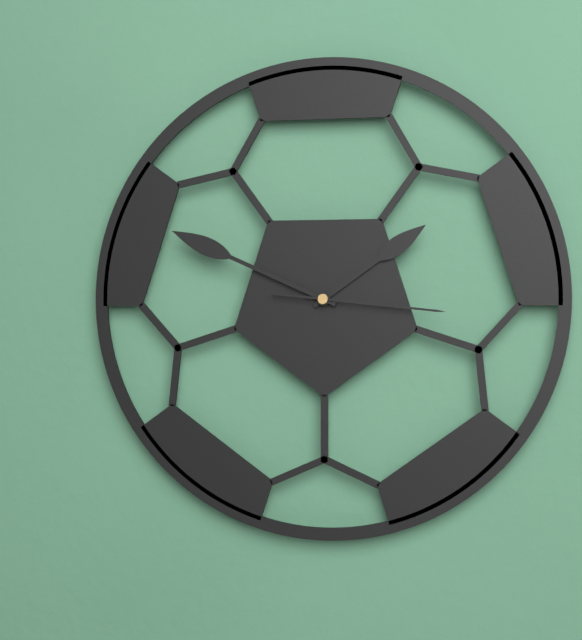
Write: 1:49:16
